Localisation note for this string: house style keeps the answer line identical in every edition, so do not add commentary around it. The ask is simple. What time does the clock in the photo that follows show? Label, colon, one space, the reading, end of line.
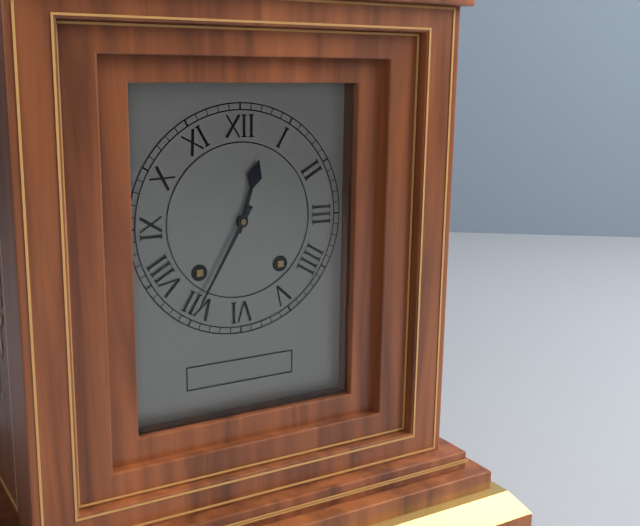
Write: 12:35
